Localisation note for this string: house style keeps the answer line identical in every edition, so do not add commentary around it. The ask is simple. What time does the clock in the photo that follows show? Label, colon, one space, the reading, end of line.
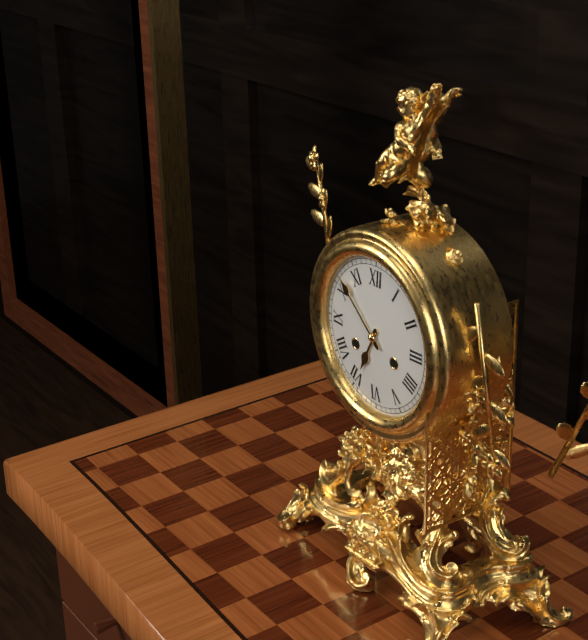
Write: 6:52
